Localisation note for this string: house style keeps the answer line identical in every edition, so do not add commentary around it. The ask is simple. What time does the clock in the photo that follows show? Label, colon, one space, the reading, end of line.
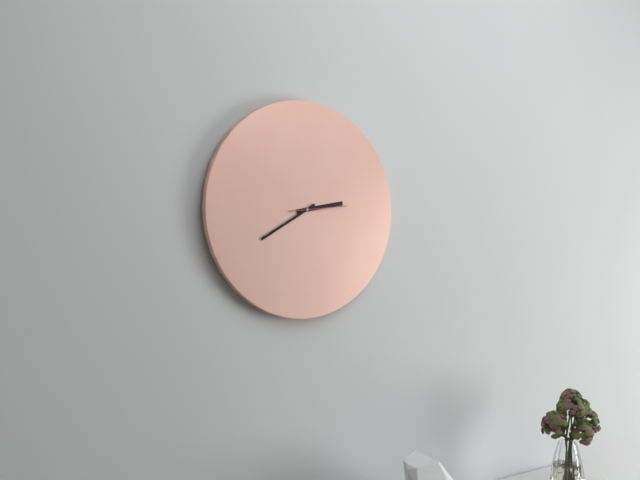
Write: 2:40:14
